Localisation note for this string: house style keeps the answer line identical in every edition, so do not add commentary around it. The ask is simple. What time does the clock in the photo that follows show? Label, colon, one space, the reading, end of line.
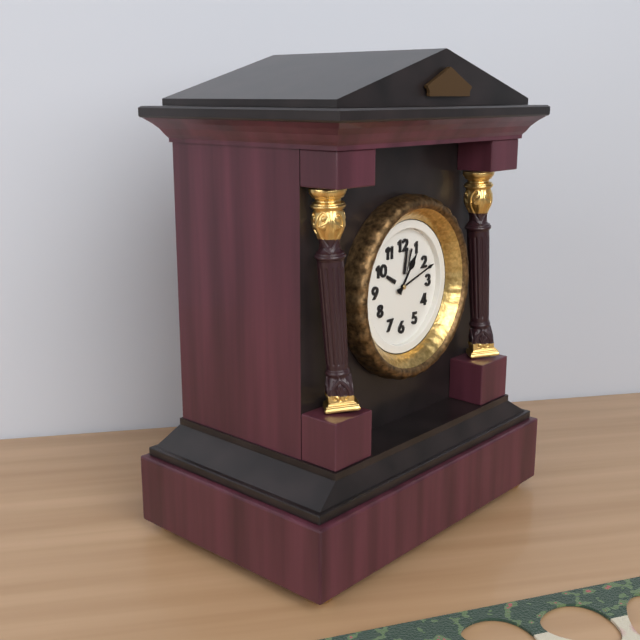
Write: 1:12
